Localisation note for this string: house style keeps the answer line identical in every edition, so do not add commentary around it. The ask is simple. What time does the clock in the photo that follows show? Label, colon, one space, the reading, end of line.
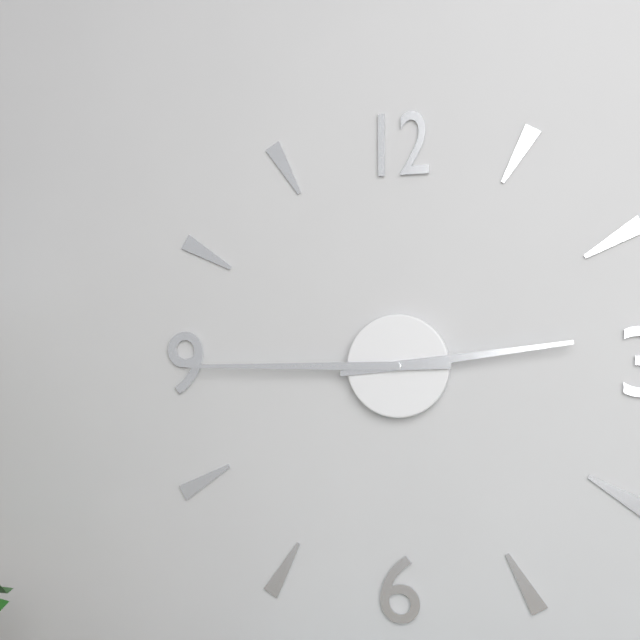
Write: 2:45
